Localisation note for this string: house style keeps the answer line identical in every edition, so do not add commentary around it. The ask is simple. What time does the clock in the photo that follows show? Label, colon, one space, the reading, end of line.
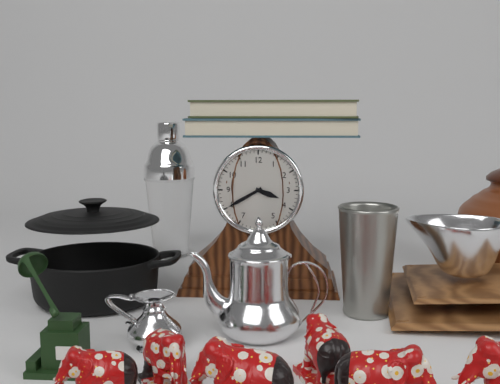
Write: 3:40
